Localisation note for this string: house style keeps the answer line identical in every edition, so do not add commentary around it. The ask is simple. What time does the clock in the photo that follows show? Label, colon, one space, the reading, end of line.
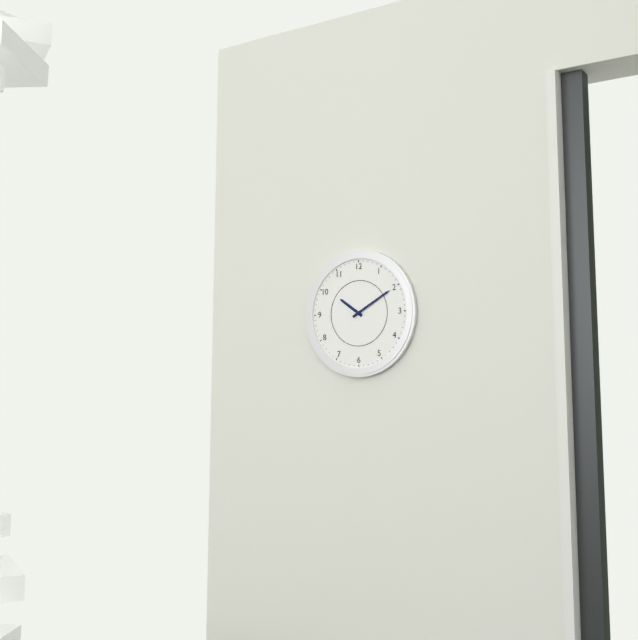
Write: 10:10
